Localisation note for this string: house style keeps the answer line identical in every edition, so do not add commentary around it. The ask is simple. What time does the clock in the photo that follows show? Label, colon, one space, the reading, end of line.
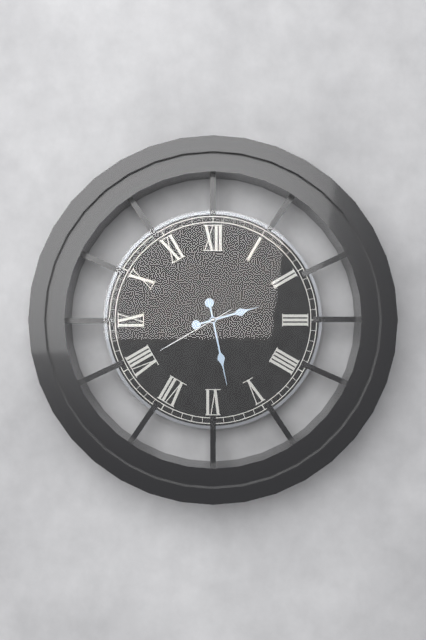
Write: 2:28:40
